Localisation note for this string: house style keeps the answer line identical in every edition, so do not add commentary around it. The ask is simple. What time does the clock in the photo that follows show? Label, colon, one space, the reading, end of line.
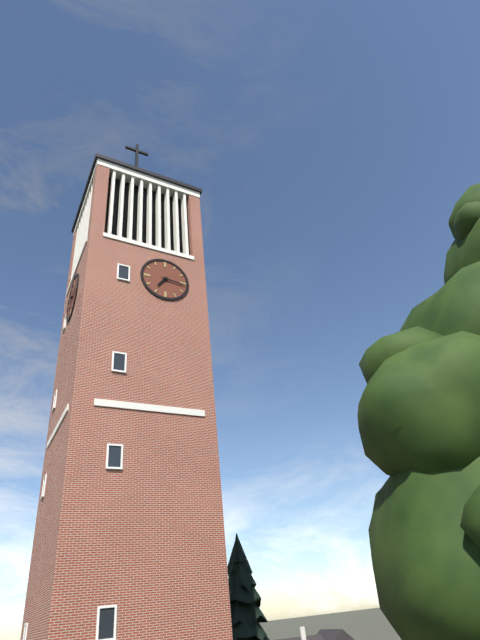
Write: 7:16
